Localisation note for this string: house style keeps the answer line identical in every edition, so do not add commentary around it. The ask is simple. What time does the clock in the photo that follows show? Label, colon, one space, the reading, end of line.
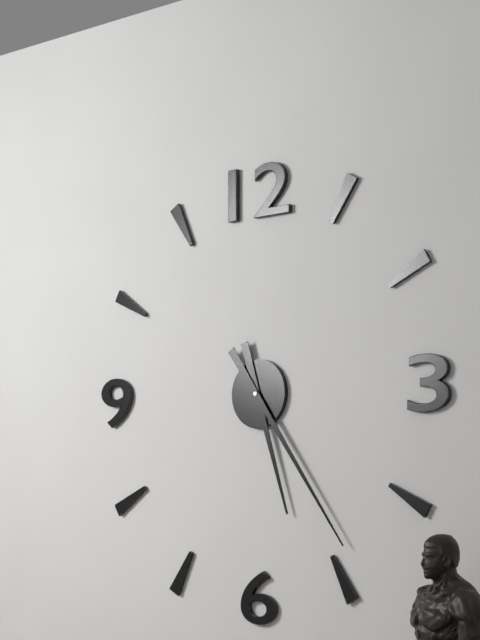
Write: 5:24
